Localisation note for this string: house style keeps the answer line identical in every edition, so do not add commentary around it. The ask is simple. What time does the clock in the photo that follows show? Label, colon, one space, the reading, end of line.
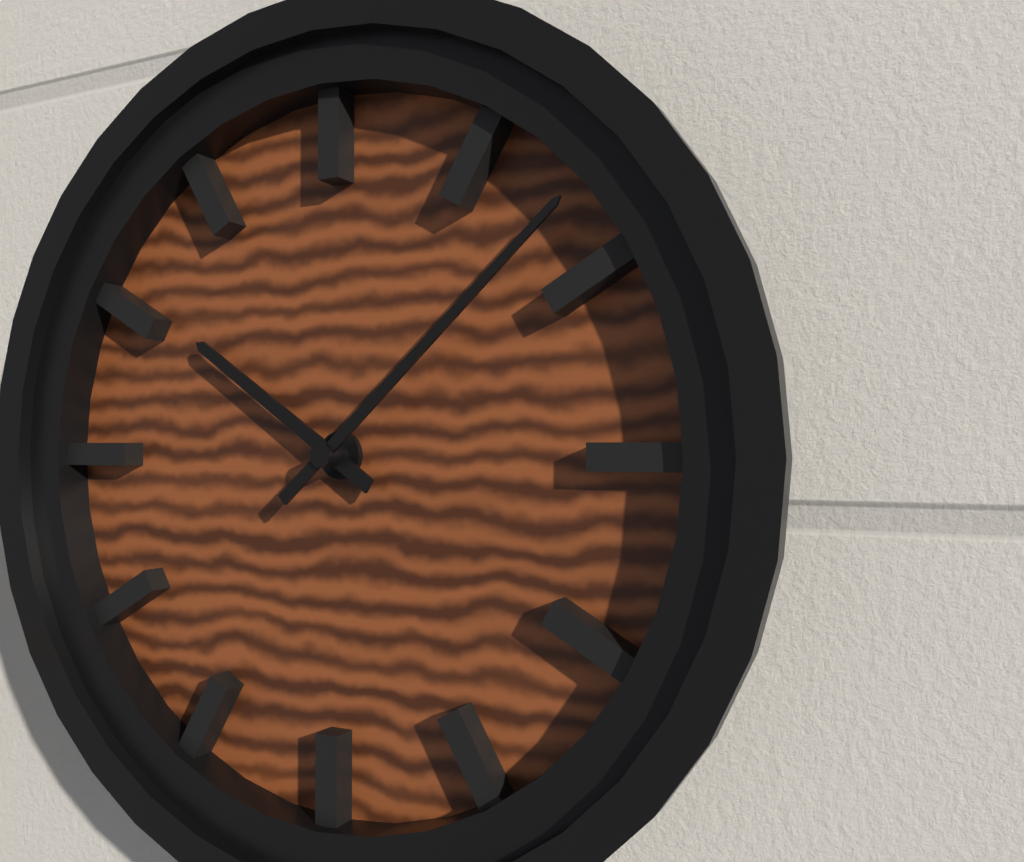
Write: 10:08
